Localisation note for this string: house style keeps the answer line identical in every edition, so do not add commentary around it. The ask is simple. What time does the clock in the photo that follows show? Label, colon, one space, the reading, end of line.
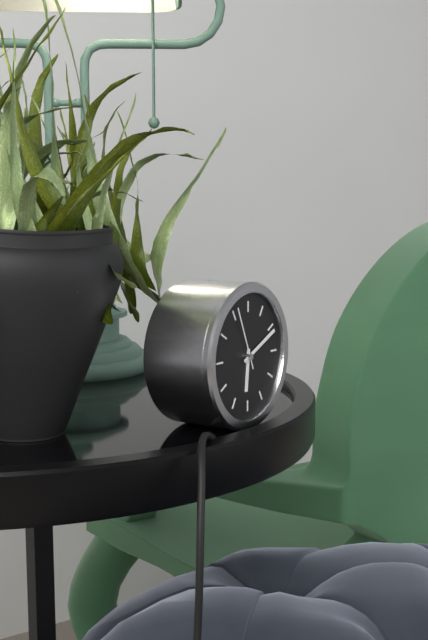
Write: 6:11:56
